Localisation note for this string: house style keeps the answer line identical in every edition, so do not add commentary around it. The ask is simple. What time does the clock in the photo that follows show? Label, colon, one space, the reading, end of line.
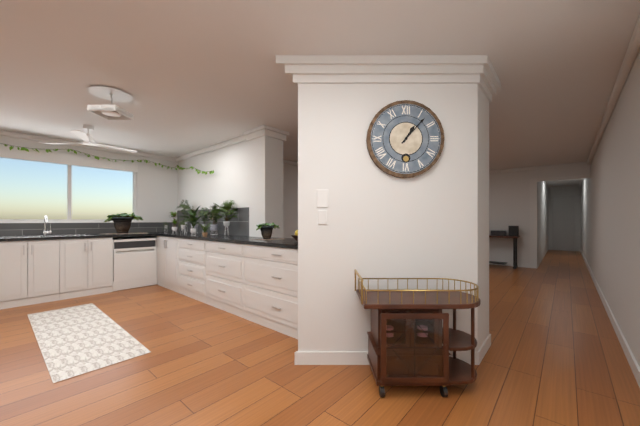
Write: 1:07
